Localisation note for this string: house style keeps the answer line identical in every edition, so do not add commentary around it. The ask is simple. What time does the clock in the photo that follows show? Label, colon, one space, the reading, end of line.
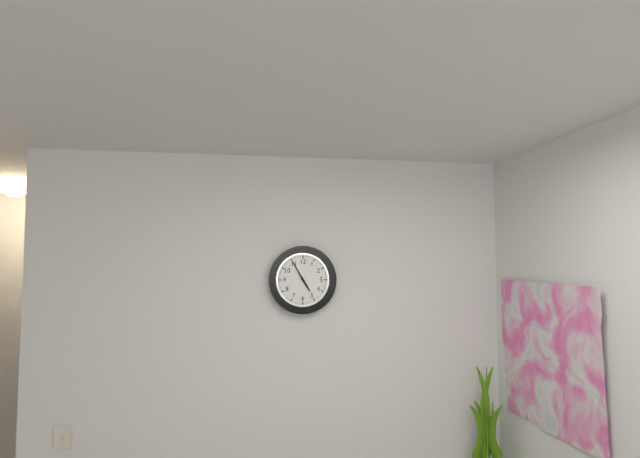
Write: 4:55
